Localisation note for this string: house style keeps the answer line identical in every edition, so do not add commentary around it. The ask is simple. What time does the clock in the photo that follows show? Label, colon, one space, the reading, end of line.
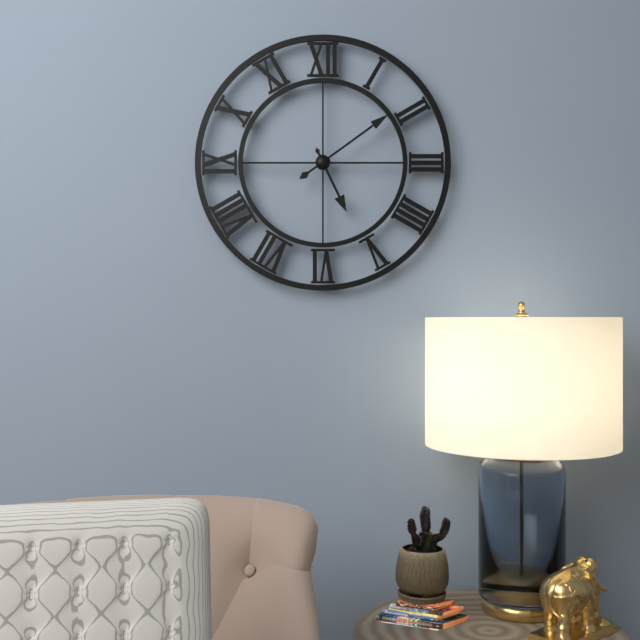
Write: 5:09
